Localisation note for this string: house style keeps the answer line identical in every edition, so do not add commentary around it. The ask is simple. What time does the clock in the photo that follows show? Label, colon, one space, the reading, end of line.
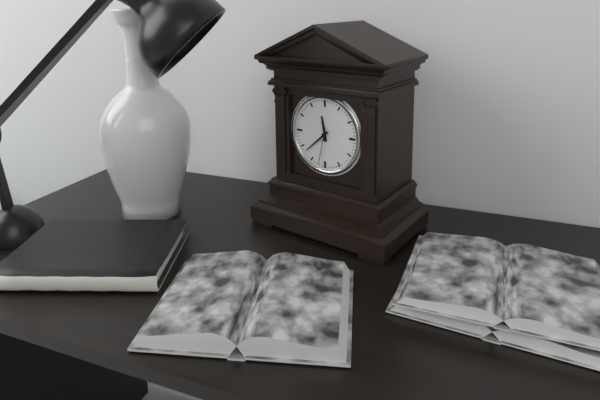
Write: 11:38
